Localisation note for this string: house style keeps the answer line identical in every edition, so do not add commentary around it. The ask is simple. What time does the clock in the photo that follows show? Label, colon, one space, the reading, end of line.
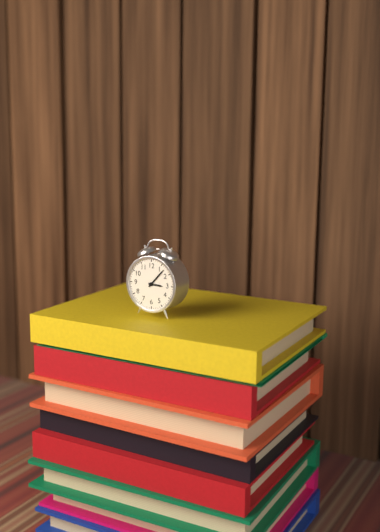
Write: 3:07
